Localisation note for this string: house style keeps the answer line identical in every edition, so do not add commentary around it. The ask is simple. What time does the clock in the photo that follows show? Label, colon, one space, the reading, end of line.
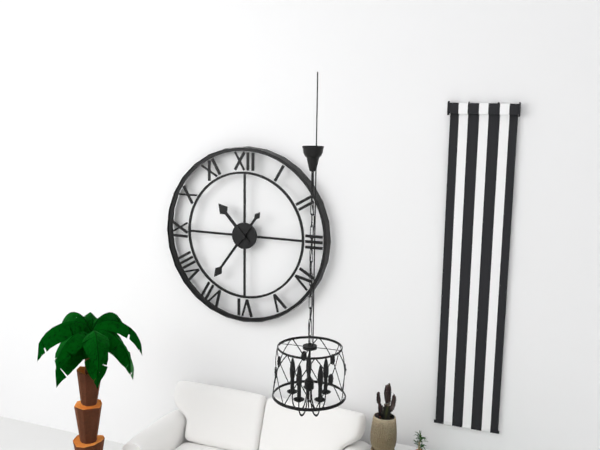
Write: 10:36
